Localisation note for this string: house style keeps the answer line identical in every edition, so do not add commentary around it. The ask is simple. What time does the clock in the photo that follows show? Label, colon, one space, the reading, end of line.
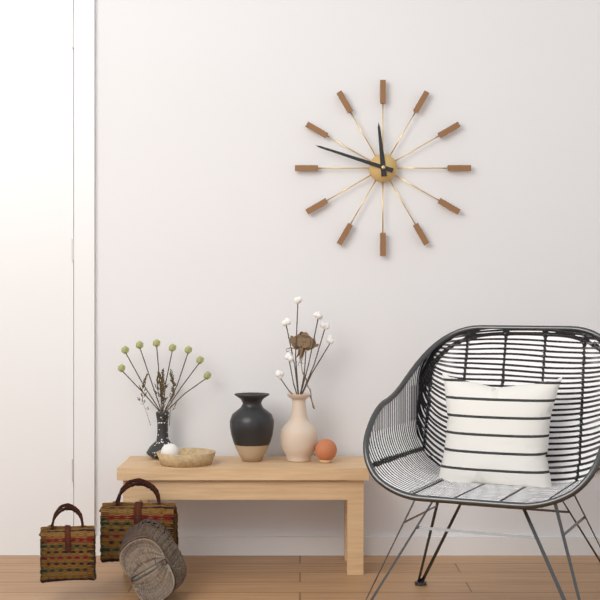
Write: 11:48
